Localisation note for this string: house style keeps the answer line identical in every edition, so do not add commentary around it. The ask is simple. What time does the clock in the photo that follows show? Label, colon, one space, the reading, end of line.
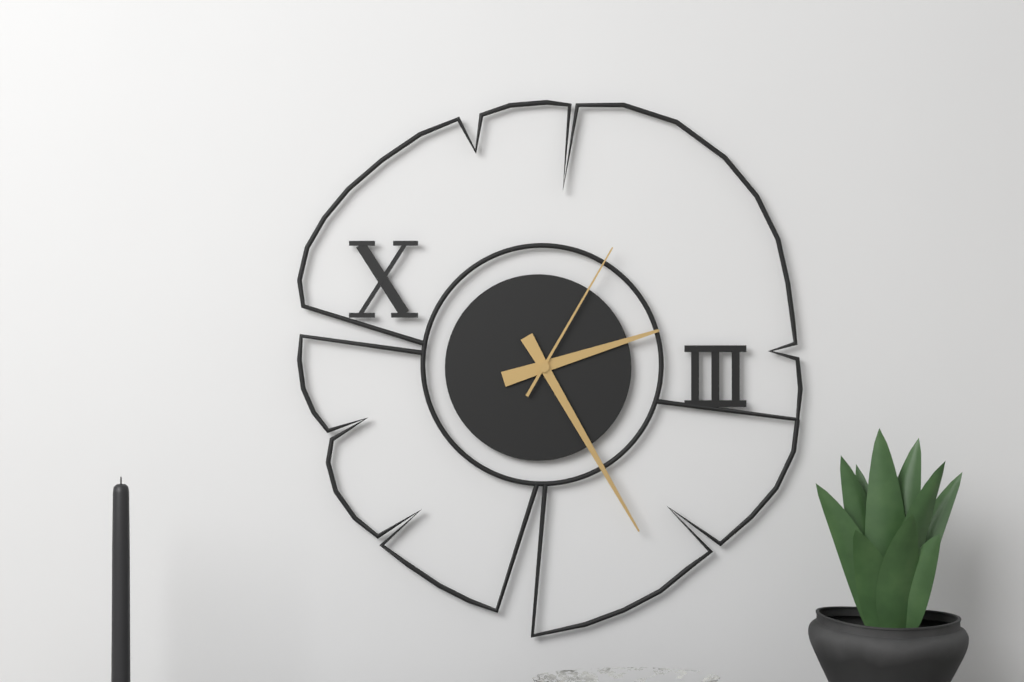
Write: 2:25:05
